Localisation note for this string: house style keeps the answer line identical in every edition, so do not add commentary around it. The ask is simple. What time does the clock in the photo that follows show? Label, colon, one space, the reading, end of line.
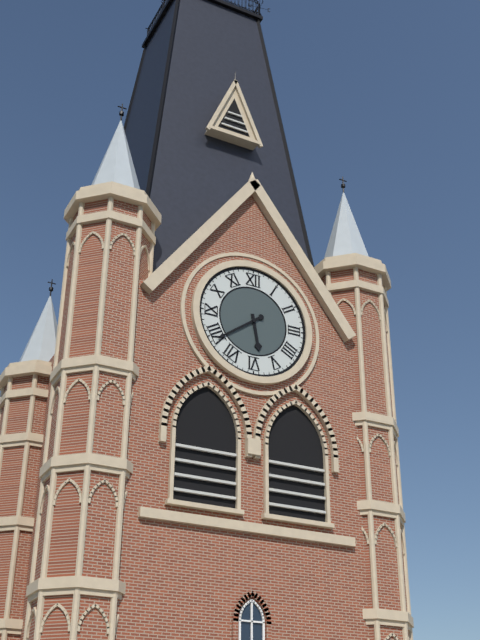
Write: 5:39
